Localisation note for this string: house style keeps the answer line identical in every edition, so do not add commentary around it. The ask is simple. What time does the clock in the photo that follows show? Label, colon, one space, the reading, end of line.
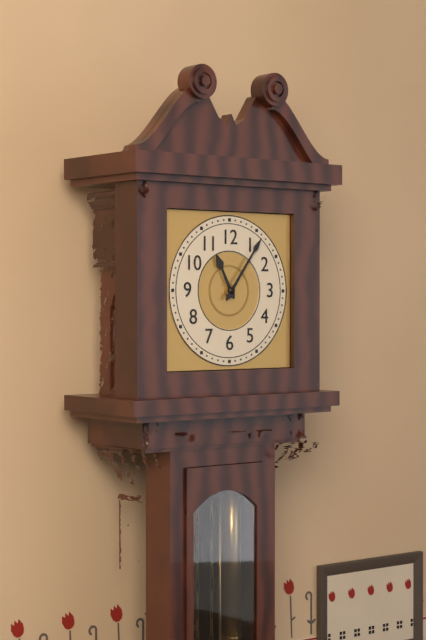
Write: 11:06
